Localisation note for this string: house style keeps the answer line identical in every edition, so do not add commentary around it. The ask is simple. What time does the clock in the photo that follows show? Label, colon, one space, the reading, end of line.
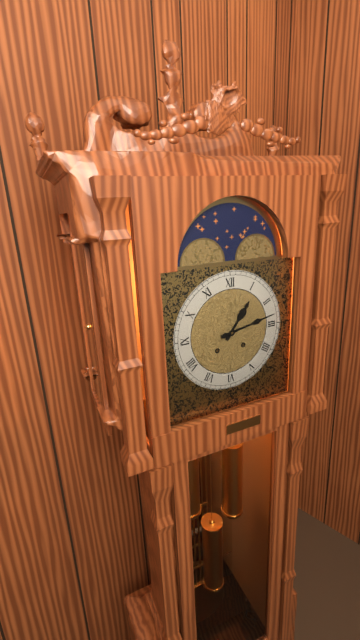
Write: 1:13
